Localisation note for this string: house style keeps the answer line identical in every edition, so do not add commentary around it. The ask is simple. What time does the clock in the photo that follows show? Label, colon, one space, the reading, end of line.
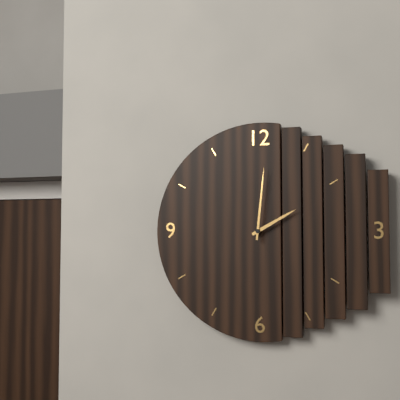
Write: 2:01
